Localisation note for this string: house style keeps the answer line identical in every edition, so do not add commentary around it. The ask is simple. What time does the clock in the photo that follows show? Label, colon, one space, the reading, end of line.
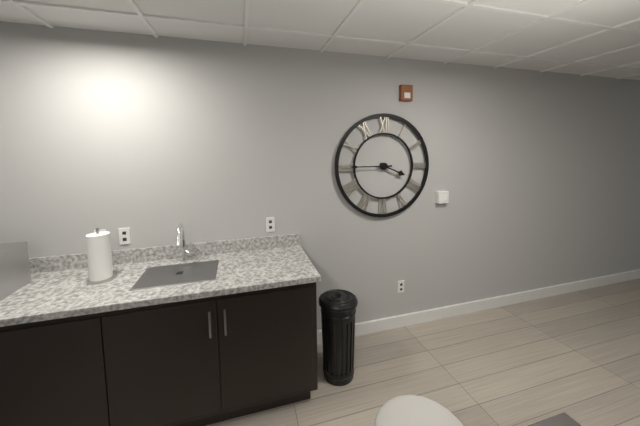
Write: 3:45
